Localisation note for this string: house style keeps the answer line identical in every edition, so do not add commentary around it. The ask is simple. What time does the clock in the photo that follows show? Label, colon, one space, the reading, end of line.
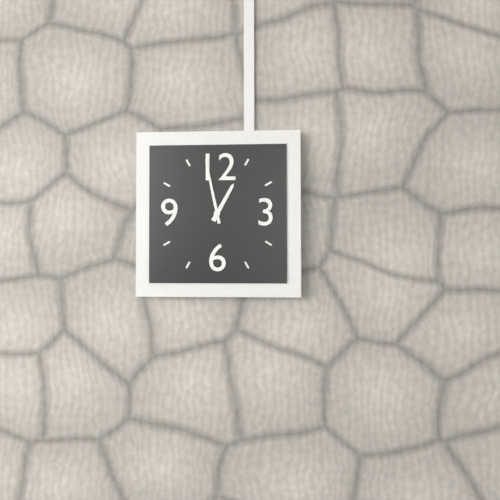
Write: 12:58
